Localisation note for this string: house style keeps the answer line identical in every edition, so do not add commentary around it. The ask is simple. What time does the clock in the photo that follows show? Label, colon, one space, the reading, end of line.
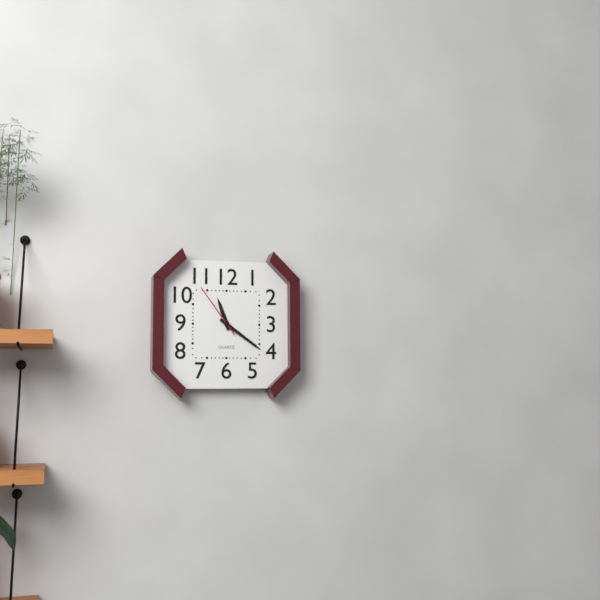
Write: 11:21:54
